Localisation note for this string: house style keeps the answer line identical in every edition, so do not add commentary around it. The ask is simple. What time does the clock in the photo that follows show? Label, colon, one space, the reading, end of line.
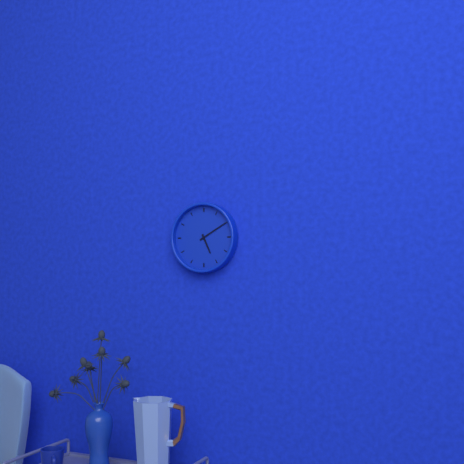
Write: 5:10
